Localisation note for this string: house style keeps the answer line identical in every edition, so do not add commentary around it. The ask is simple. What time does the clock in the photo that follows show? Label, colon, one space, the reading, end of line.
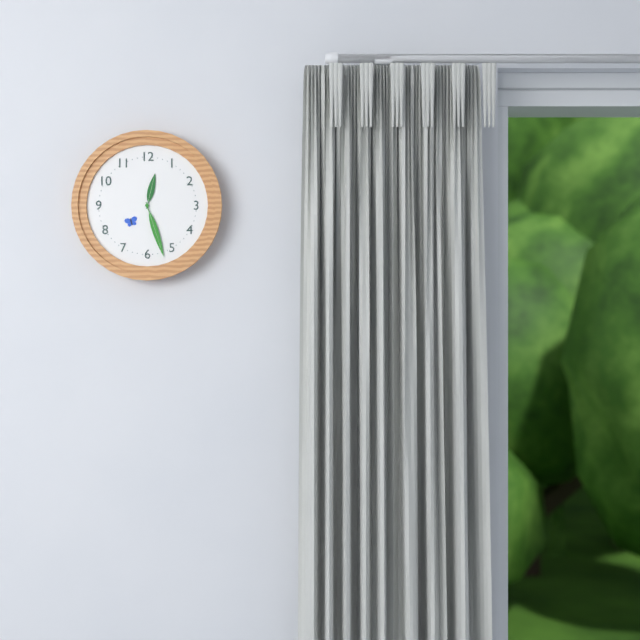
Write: 12:27
